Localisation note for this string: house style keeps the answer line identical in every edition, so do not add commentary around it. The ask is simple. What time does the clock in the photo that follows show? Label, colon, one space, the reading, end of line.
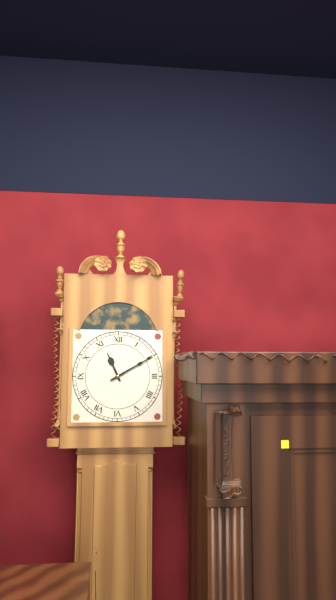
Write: 11:10
